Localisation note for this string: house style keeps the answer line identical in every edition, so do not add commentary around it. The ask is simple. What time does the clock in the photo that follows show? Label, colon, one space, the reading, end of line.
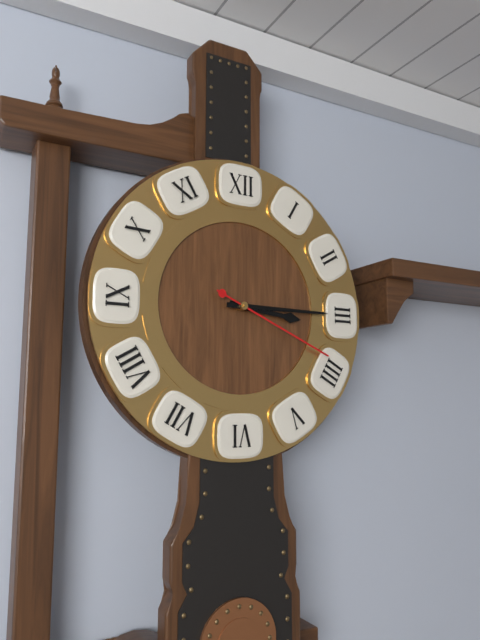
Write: 3:15:19
